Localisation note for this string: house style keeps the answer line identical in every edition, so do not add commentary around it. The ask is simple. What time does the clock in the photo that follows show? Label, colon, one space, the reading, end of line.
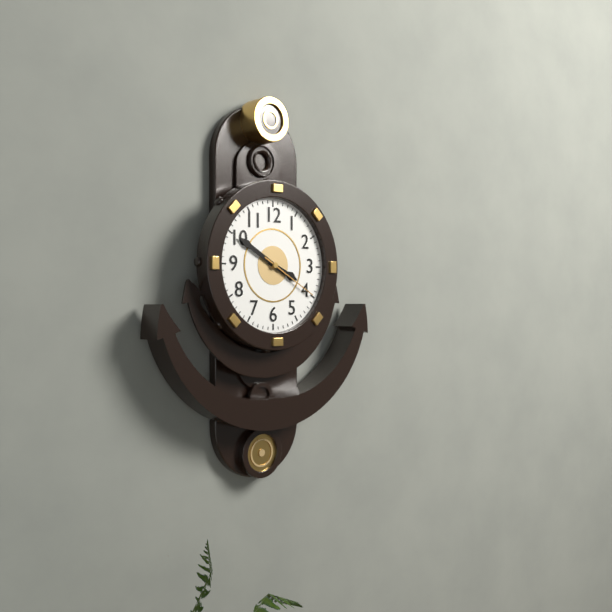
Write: 3:50:20
